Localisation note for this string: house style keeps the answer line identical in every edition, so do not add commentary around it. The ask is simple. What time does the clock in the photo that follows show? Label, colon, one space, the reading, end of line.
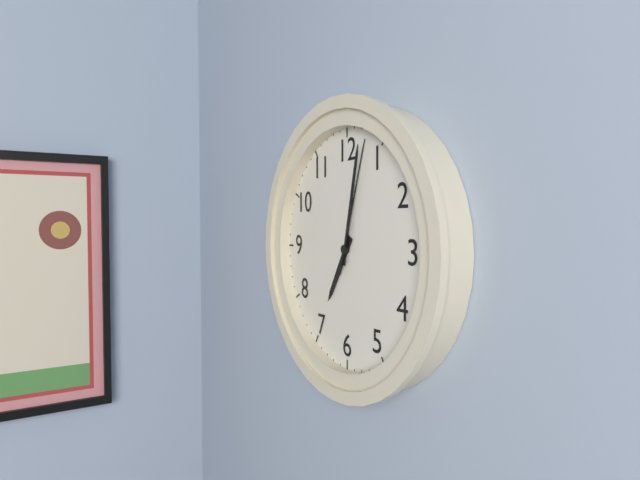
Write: 7:02:03
